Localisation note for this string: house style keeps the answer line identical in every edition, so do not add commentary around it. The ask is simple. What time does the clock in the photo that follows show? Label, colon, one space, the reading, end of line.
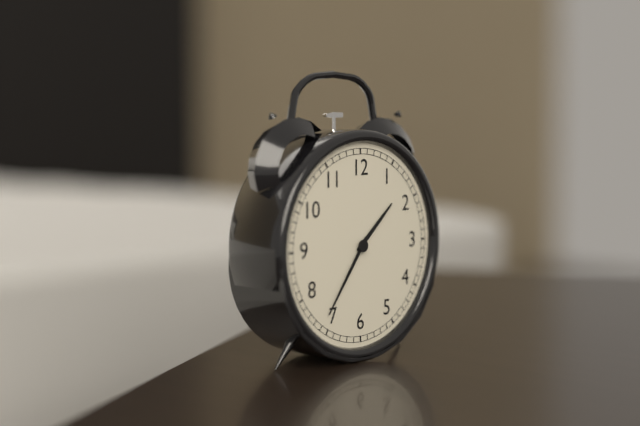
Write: 1:36
